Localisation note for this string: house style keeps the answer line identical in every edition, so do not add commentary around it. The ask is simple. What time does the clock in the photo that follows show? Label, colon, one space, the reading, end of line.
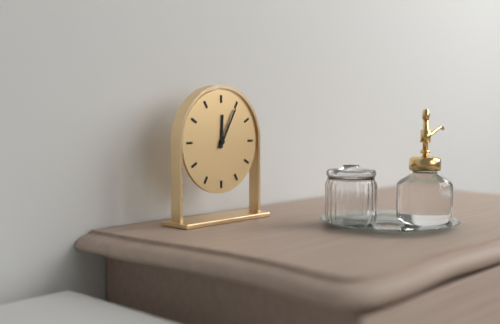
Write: 12:05
